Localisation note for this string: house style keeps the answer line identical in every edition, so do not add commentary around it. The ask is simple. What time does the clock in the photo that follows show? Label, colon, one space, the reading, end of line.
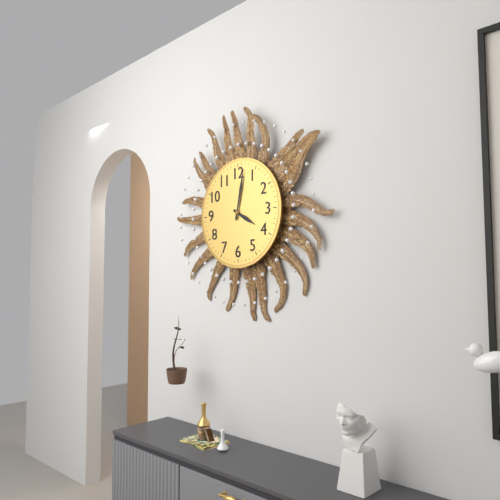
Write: 4:02
